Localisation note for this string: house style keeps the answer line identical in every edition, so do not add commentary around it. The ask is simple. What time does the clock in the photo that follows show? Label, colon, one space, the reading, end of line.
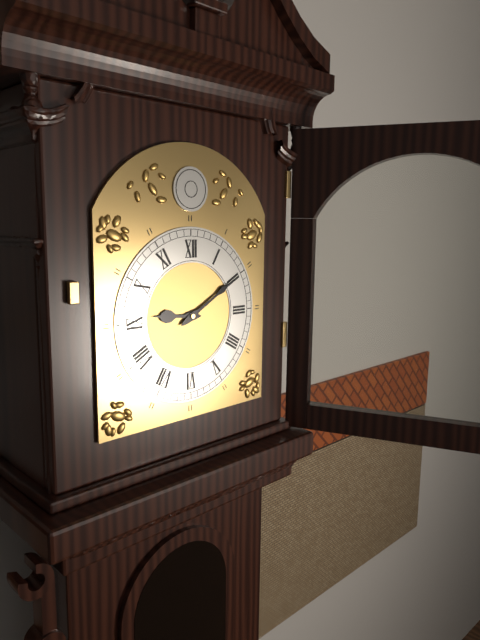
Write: 9:10
